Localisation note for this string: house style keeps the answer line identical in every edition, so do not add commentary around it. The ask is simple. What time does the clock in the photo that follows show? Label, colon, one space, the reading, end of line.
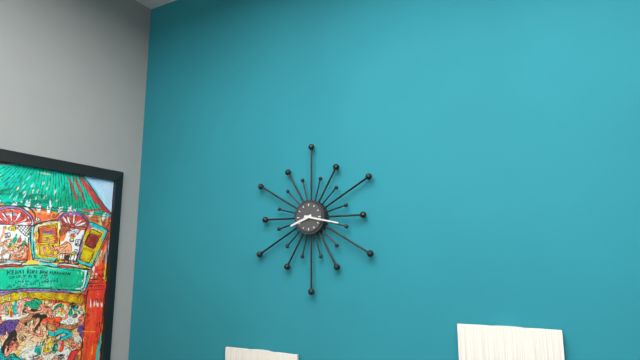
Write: 8:17
